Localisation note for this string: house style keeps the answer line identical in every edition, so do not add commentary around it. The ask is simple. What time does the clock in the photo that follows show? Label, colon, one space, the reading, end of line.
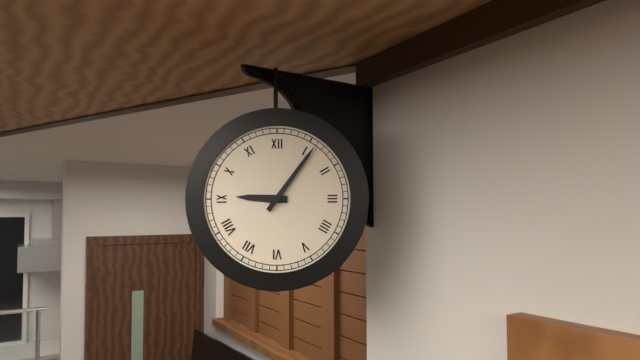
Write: 9:06
